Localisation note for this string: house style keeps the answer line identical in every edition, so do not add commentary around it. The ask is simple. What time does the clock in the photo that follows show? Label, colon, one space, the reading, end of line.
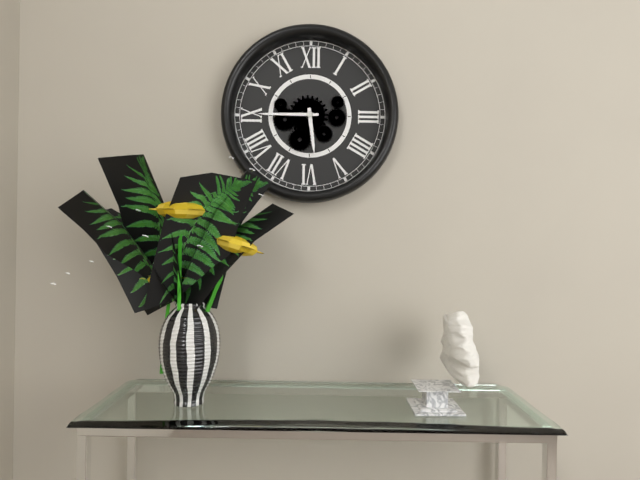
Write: 5:45
